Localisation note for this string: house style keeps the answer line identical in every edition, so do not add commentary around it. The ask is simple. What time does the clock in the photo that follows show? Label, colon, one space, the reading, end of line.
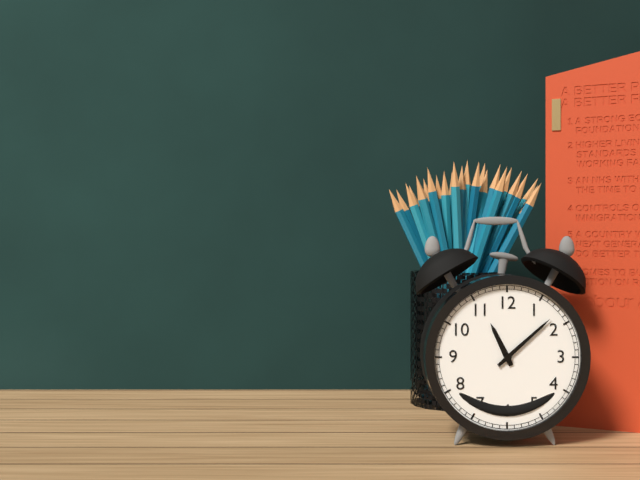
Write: 11:08
